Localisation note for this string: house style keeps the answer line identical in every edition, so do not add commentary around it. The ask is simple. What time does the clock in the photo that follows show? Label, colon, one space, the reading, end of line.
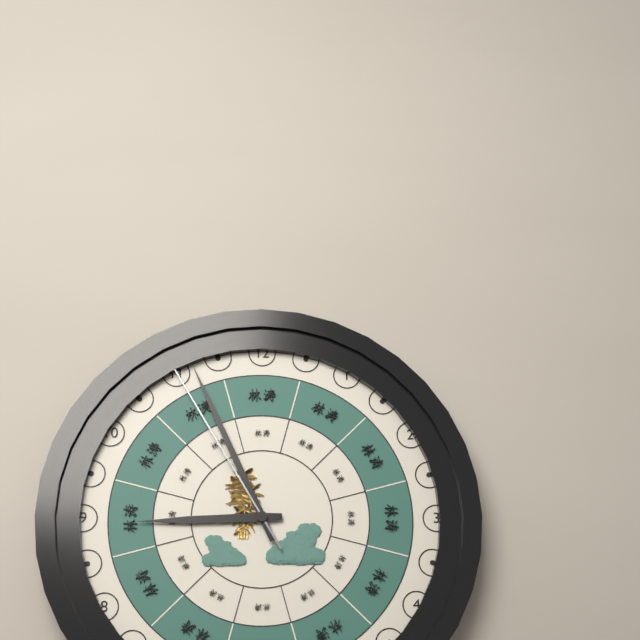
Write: 8:56:55
